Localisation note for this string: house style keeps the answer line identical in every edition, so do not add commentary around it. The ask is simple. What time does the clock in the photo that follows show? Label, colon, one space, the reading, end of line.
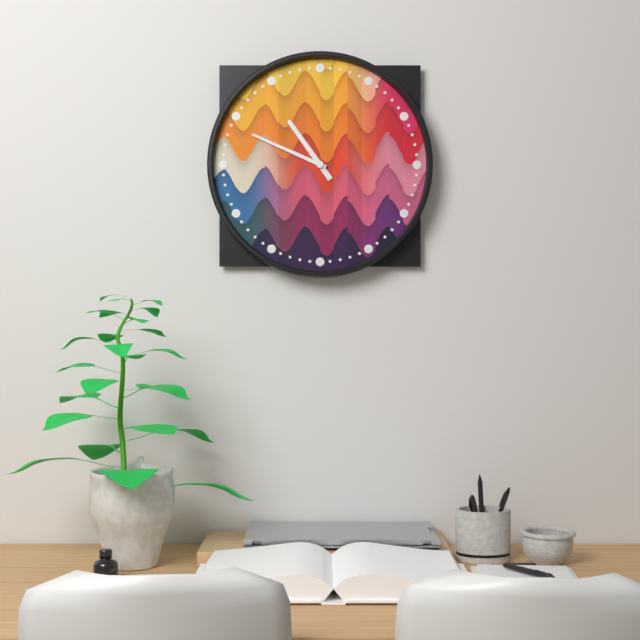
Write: 10:49
